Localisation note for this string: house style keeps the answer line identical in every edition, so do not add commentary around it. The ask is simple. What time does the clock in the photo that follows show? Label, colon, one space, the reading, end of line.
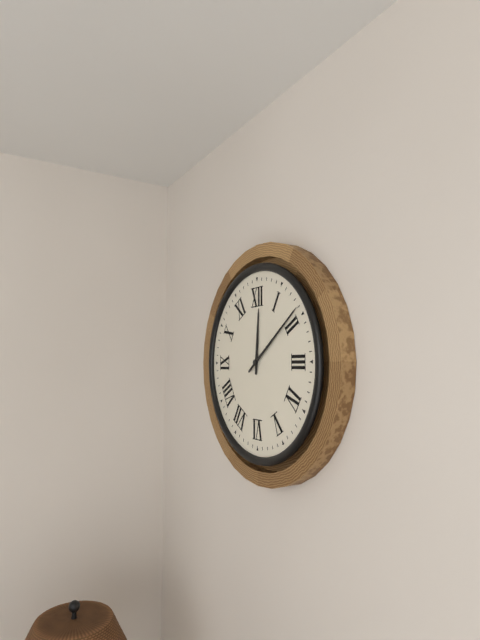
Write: 12:09
